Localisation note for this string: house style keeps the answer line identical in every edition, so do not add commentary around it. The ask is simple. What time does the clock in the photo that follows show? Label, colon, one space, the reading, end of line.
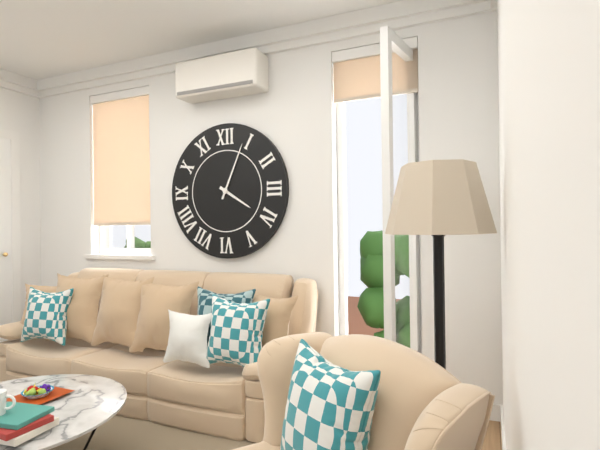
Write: 4:04
